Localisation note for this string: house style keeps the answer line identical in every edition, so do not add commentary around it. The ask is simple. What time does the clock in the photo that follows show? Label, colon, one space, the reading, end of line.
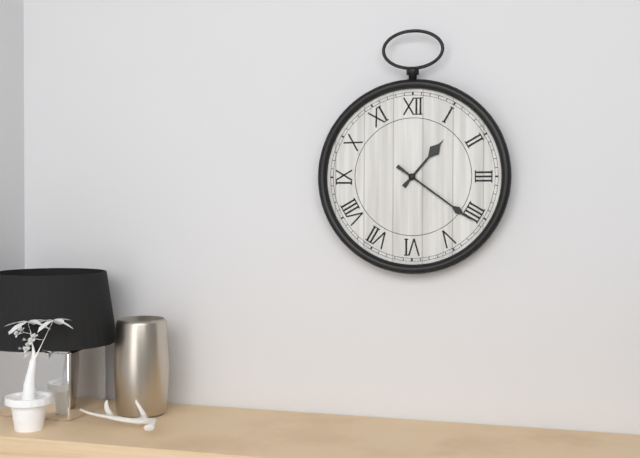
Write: 1:21
